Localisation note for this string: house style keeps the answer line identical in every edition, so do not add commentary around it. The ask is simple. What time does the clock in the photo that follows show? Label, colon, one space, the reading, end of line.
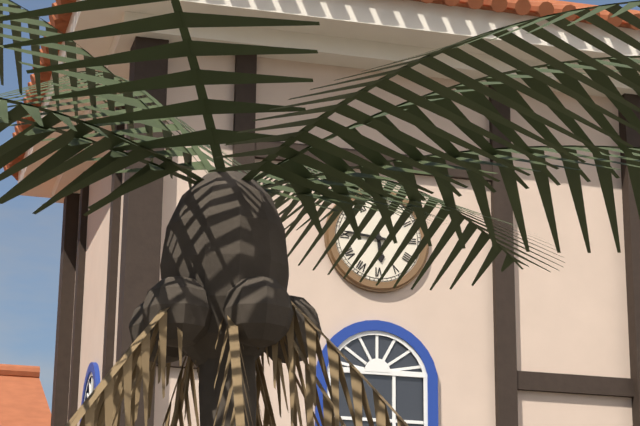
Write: 5:46
